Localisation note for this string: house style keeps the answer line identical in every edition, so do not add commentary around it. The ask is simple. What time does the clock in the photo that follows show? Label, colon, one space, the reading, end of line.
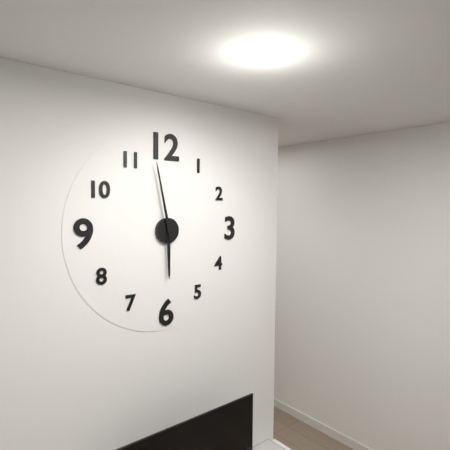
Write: 5:58
